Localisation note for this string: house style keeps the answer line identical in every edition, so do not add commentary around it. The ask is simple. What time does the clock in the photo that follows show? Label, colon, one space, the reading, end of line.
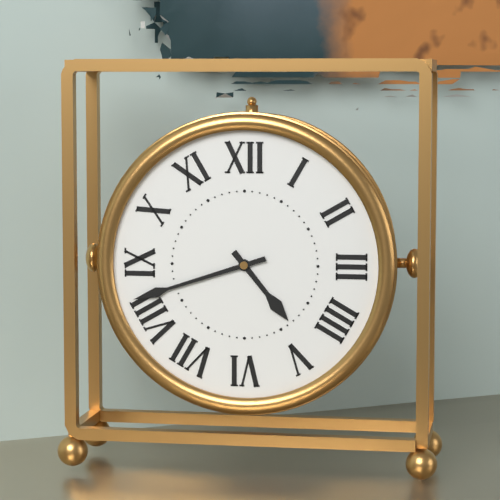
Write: 4:42
